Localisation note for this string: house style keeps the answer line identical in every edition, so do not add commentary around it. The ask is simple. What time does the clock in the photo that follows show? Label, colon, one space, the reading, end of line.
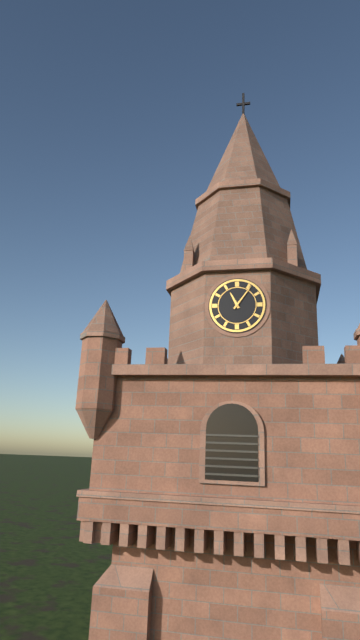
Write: 11:06
